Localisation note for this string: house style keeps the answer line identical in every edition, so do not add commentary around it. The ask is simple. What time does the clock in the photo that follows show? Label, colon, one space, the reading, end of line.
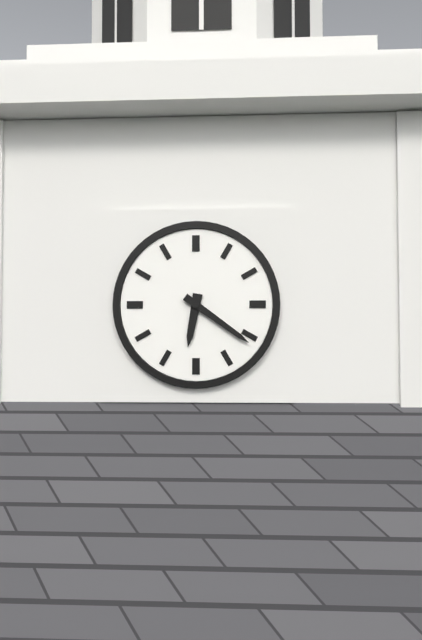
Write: 6:21
